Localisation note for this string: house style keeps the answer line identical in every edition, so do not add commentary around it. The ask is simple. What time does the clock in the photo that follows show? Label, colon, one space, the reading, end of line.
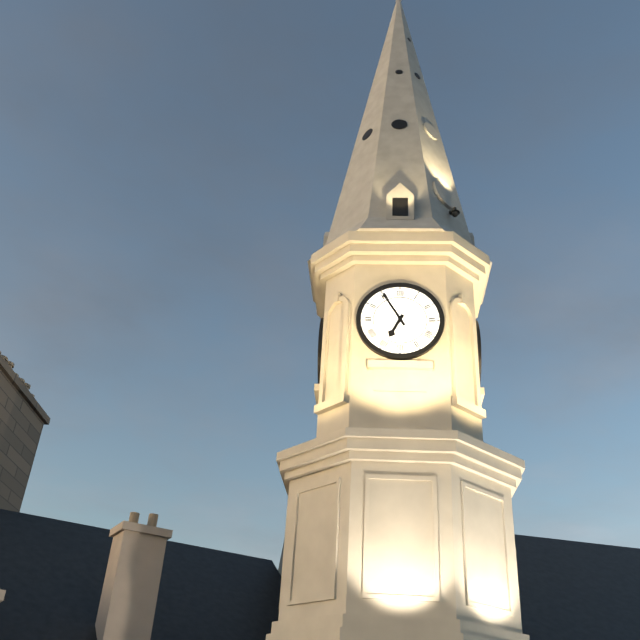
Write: 6:55
